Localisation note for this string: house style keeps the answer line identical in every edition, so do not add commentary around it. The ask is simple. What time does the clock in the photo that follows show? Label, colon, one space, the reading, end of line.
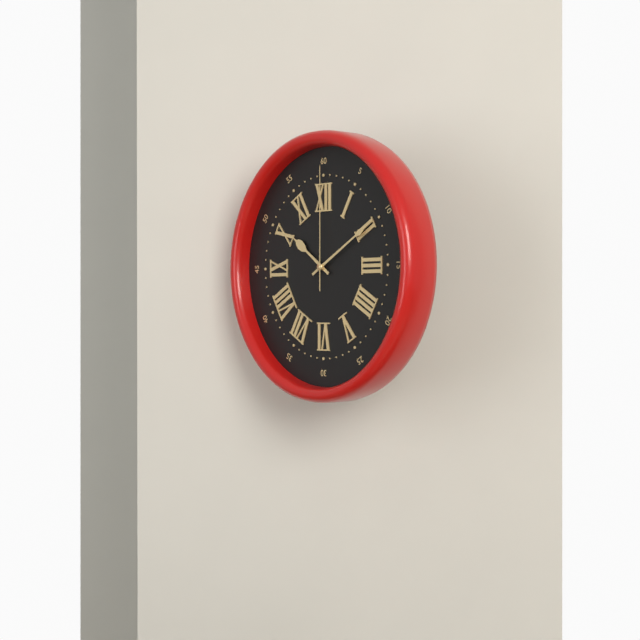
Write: 10:10:00
